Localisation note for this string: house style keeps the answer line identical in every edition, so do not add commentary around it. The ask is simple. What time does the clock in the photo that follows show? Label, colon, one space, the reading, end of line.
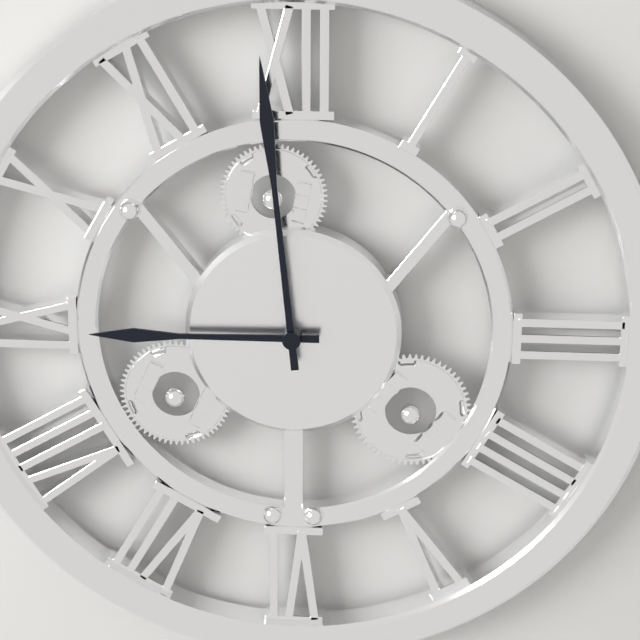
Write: 8:59
